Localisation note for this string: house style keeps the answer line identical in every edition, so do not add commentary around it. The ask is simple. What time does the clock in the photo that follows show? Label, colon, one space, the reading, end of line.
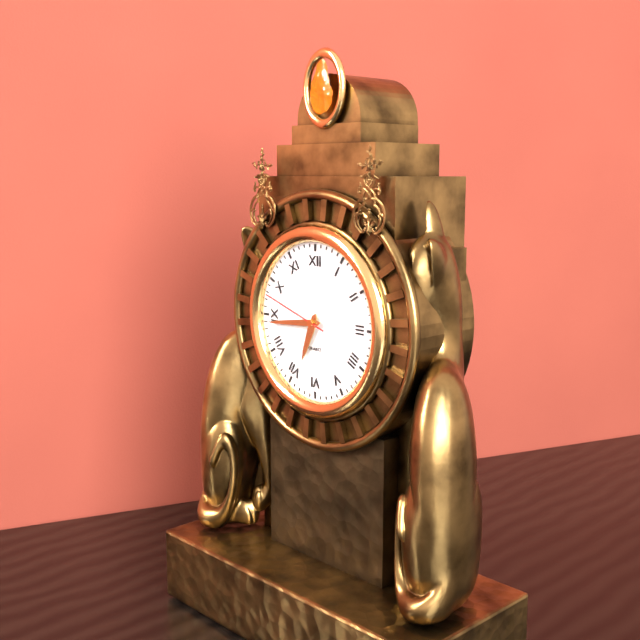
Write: 6:44:48
